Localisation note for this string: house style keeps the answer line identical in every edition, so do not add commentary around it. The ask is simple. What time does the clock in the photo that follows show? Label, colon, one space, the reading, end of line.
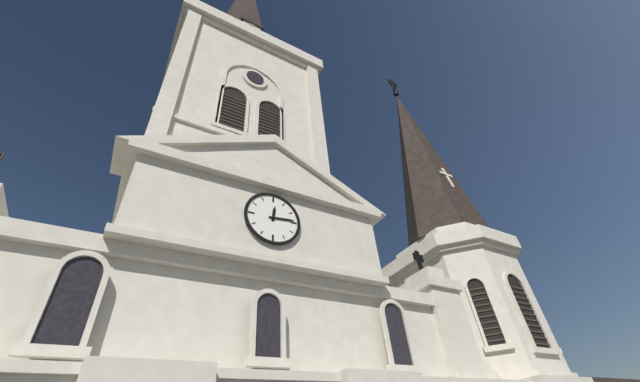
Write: 12:14
